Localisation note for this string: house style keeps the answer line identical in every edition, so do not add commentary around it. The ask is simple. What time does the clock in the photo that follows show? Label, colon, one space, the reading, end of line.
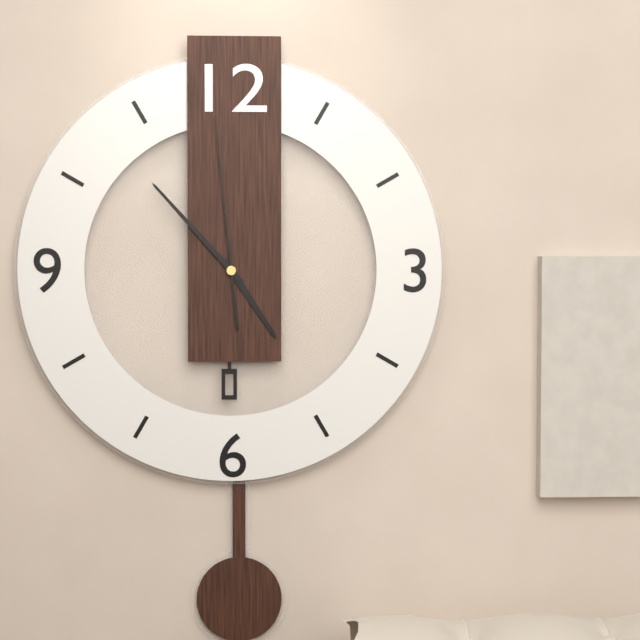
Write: 4:53:59
